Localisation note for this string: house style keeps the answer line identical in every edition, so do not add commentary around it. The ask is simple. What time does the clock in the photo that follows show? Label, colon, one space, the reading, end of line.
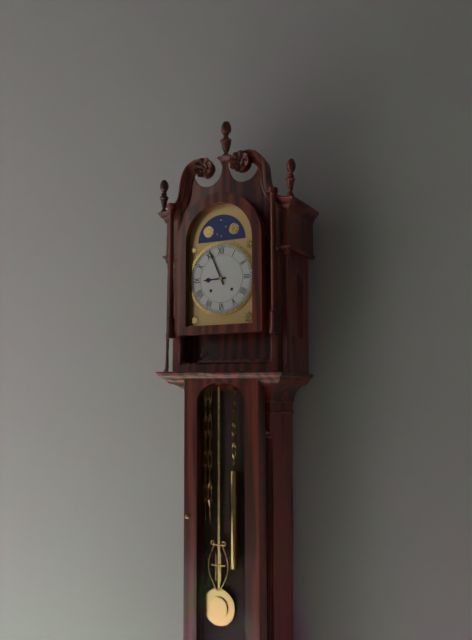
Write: 8:56
